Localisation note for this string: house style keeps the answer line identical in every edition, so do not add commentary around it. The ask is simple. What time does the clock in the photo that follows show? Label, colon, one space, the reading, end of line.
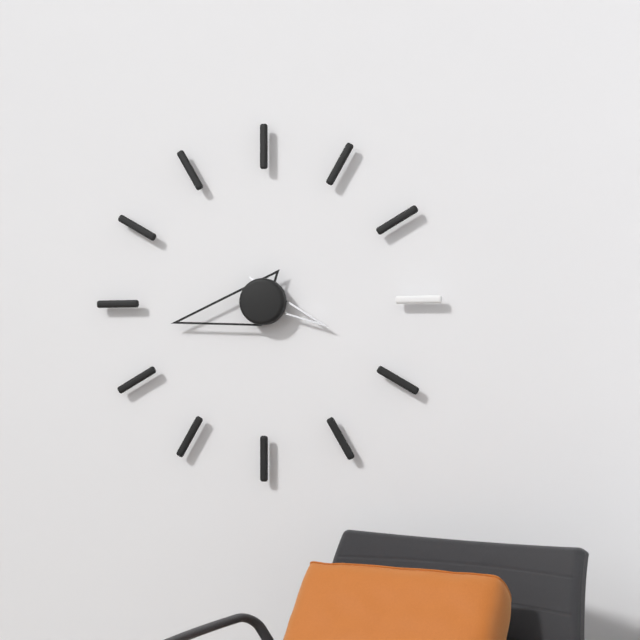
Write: 3:43
